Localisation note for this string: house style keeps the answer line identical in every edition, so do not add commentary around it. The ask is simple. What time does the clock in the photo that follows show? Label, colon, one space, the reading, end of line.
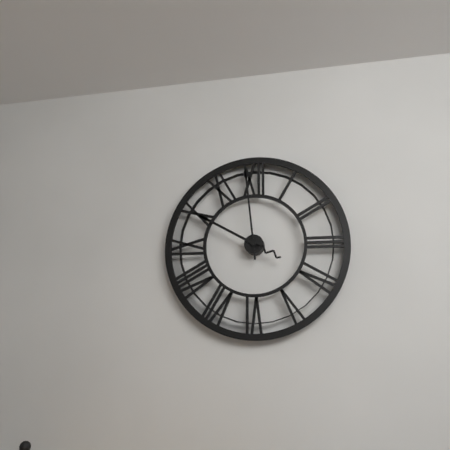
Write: 9:59
